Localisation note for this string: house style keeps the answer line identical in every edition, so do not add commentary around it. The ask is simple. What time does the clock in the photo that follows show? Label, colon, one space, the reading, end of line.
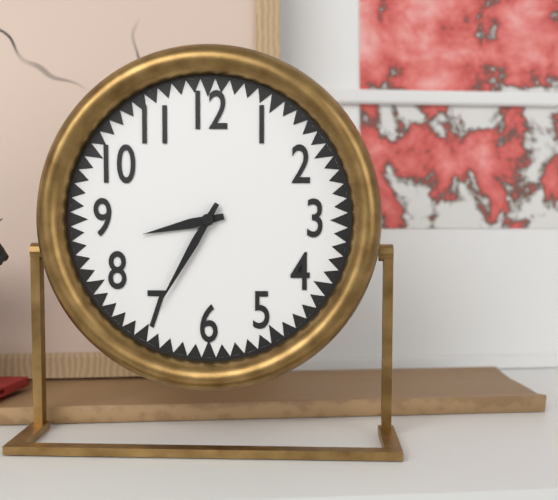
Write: 8:35
